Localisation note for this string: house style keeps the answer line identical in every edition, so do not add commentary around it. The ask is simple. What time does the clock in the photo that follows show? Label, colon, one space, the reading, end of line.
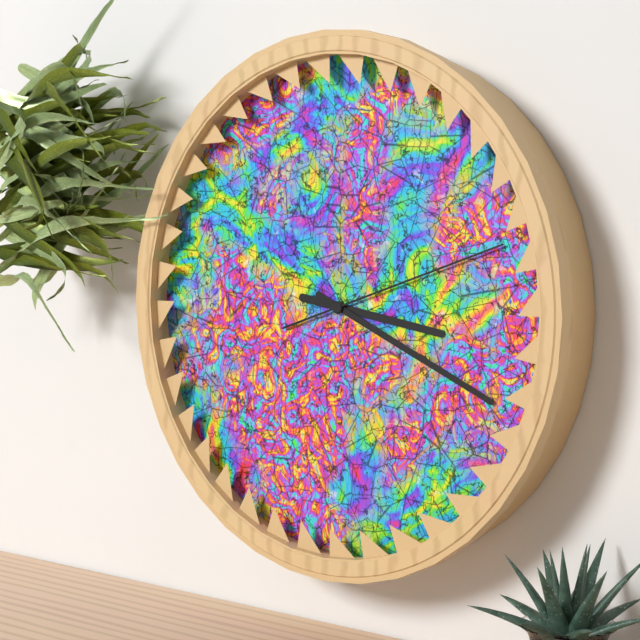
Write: 3:19:12
